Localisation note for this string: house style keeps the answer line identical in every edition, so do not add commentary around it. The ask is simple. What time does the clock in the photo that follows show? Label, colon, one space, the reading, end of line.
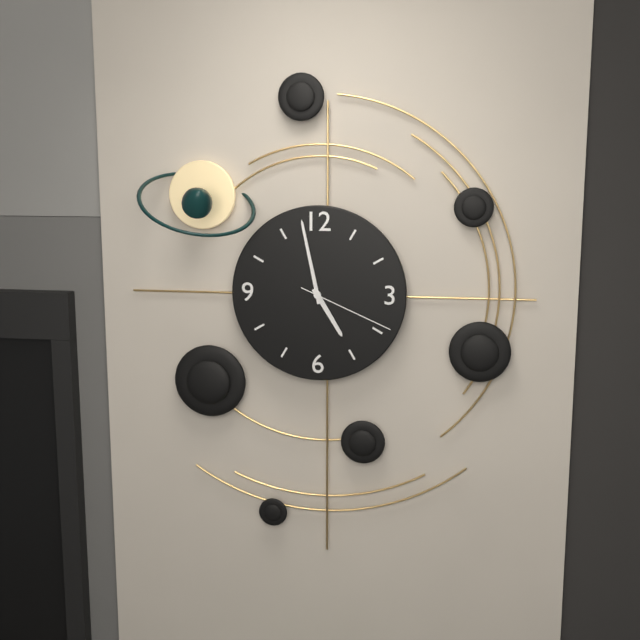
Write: 4:58:19
